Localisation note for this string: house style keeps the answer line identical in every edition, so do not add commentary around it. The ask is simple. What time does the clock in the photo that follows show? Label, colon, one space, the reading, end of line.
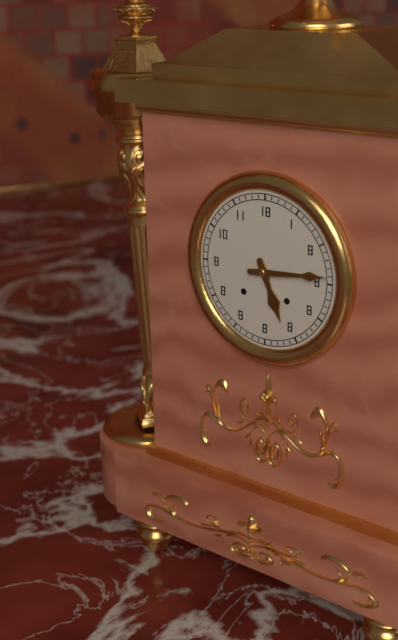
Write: 5:14
